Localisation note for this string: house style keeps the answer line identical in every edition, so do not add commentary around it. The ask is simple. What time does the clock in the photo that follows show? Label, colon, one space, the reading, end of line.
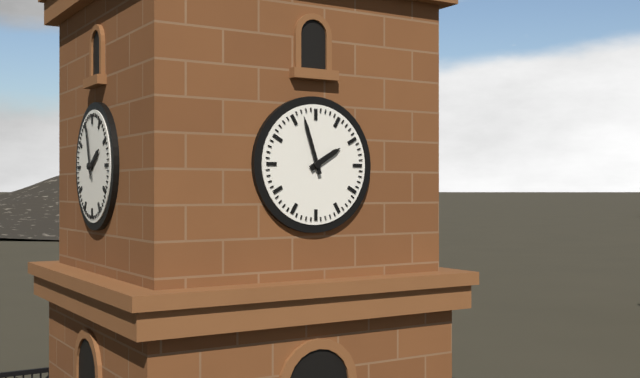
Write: 1:57
